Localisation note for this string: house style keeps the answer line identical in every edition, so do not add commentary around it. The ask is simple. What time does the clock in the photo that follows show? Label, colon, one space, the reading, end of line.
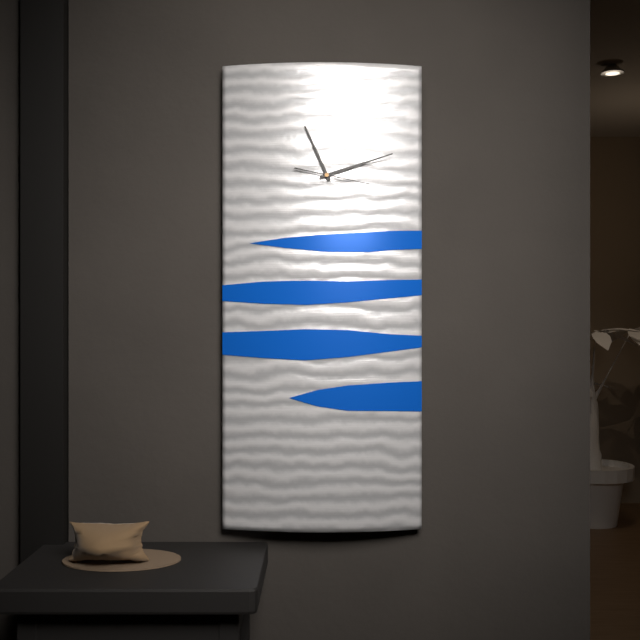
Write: 11:12:17
